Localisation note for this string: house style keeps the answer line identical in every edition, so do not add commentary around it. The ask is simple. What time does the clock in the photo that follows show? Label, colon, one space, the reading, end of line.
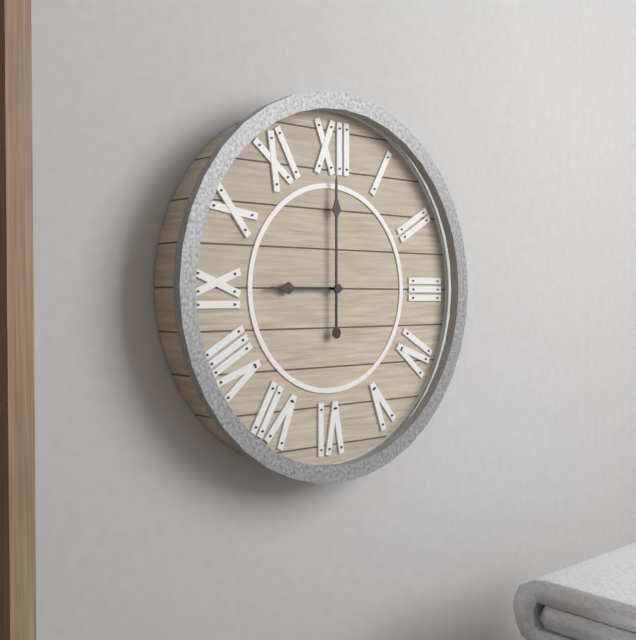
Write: 9:00
